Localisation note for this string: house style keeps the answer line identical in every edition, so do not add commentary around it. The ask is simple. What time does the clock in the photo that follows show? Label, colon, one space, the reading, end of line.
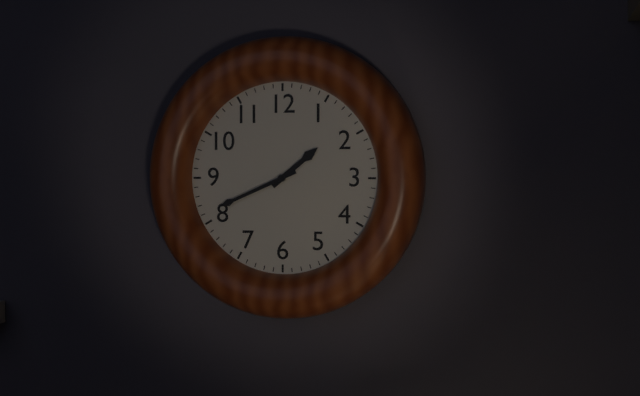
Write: 1:41
